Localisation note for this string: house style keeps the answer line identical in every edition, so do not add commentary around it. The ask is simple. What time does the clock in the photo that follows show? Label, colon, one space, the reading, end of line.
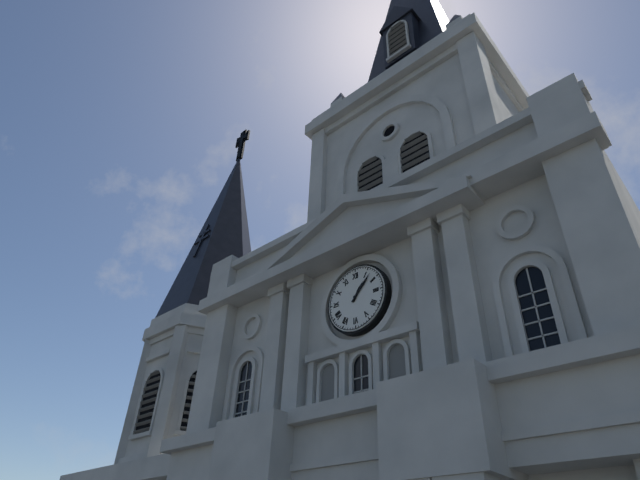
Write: 1:07
